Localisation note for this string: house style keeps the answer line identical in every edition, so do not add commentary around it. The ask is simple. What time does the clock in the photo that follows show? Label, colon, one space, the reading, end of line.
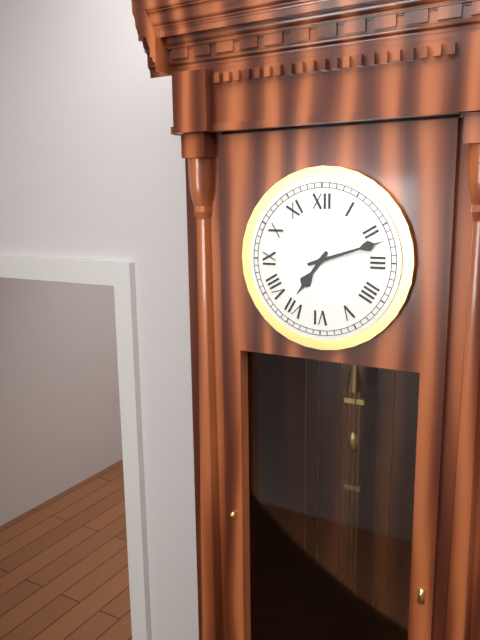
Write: 7:12
